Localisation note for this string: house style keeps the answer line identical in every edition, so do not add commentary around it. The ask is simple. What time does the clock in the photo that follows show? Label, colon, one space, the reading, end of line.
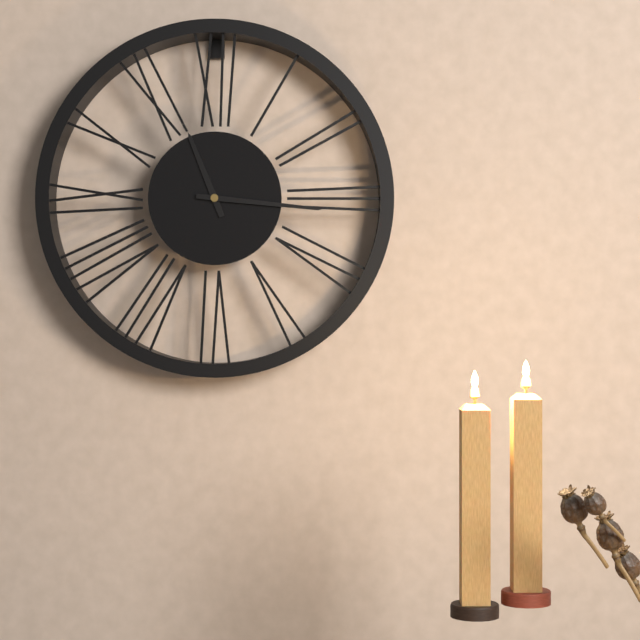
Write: 11:16
